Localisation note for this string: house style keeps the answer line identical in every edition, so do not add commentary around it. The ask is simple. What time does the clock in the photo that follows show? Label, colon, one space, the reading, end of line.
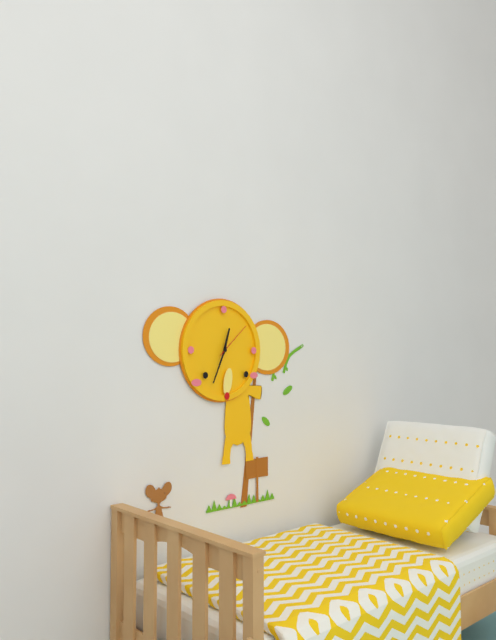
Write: 12:34
